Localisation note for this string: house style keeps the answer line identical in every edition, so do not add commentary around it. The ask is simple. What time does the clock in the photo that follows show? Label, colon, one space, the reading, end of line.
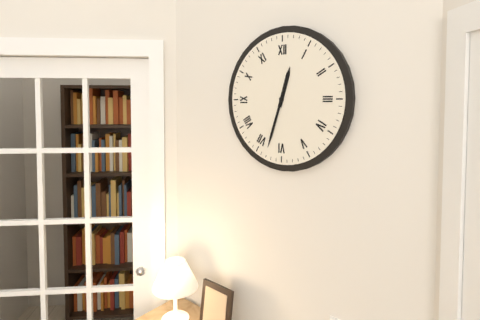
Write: 12:33
